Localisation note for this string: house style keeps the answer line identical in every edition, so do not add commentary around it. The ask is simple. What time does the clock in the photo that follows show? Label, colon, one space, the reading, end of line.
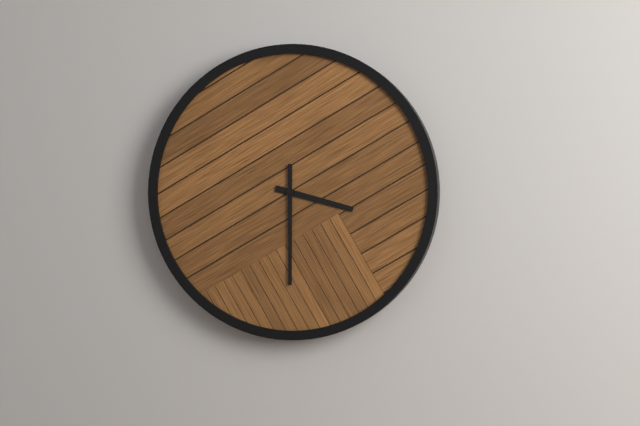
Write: 3:30
